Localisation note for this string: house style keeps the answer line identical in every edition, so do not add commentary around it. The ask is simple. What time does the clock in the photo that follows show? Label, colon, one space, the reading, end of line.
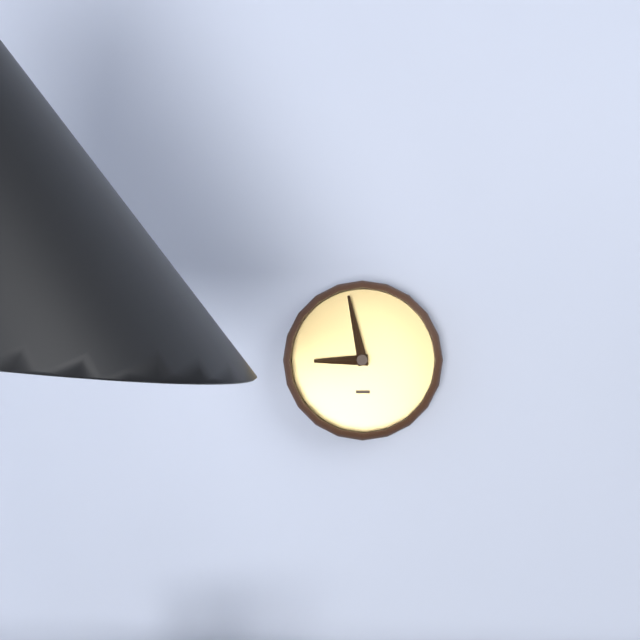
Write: 8:58
